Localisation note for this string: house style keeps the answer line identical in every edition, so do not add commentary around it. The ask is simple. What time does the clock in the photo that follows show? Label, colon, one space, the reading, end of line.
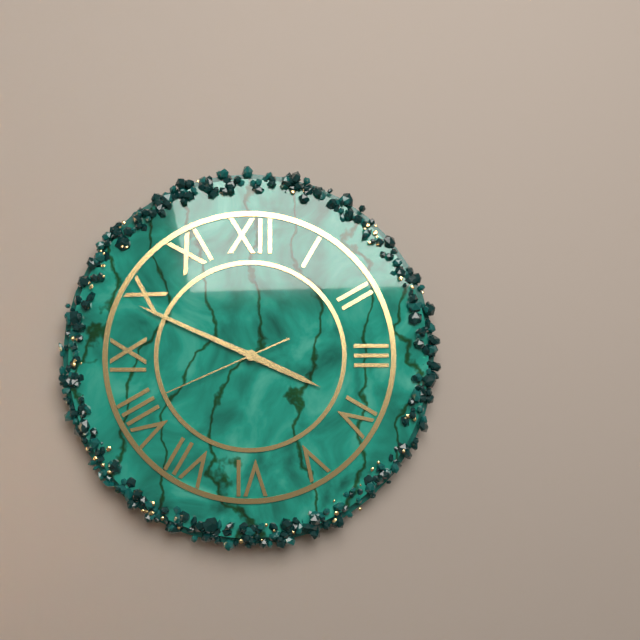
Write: 3:49:41
